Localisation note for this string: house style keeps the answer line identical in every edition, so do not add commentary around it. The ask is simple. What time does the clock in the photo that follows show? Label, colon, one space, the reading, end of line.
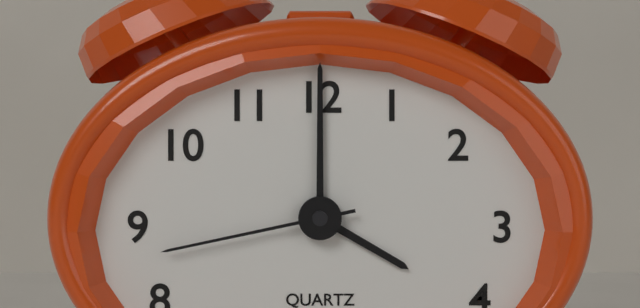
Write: 4:00:43
